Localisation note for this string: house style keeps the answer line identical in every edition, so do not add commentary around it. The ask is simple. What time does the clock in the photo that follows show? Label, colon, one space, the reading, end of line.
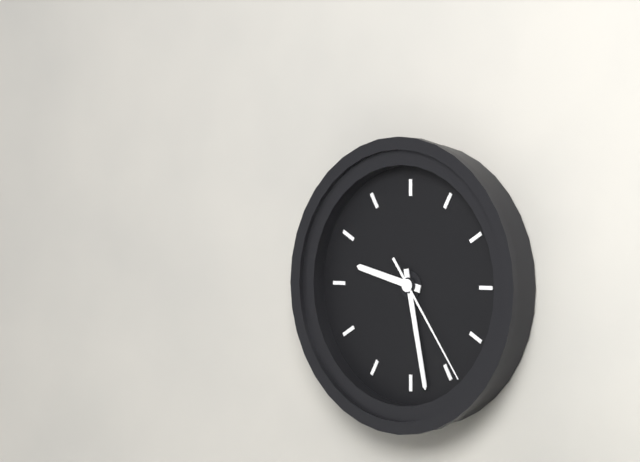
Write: 9:28:24
